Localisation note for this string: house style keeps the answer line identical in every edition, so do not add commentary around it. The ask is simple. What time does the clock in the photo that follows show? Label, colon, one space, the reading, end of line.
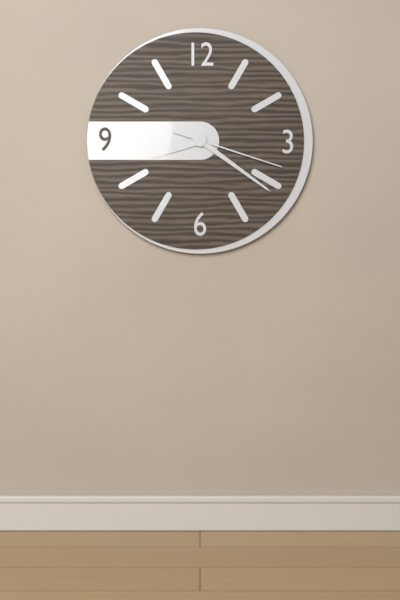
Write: 8:21:18
